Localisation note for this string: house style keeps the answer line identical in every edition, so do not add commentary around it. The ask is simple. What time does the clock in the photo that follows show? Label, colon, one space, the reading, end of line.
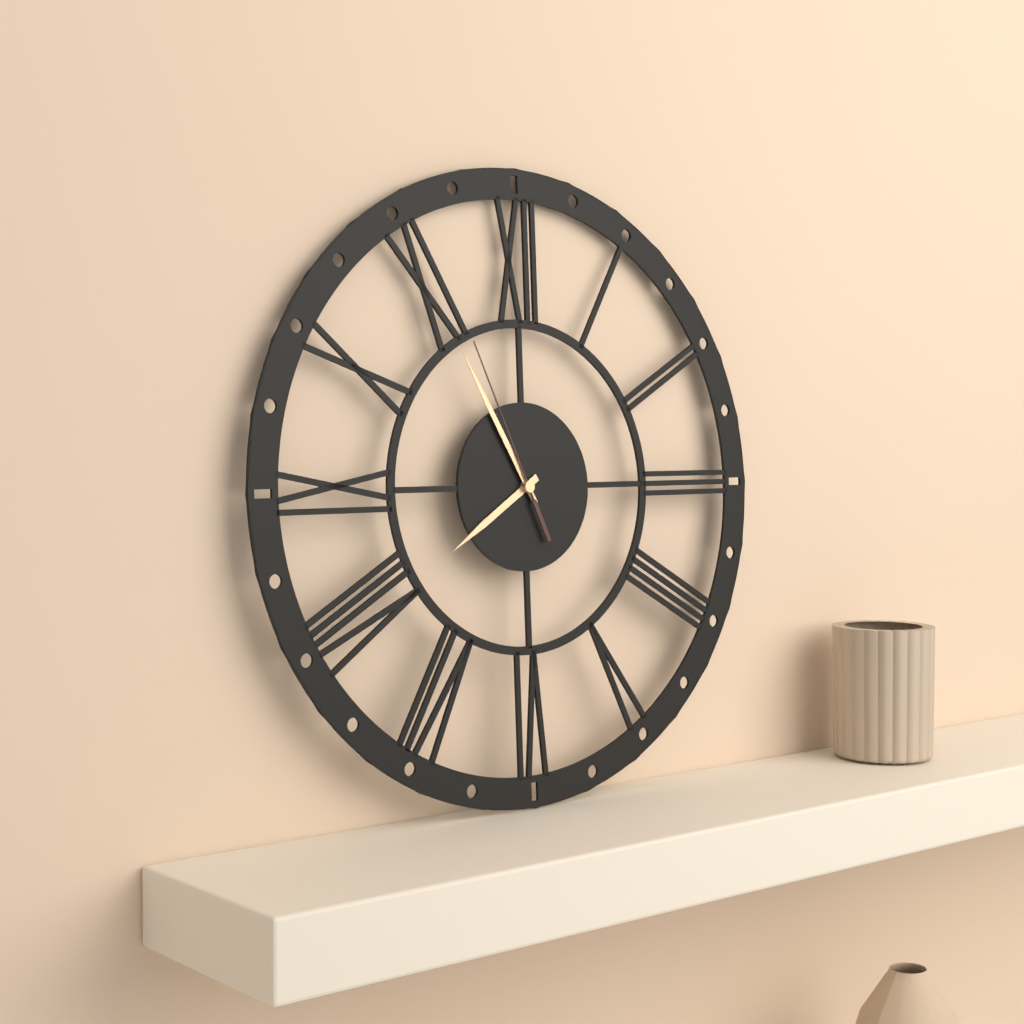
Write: 7:55:56
